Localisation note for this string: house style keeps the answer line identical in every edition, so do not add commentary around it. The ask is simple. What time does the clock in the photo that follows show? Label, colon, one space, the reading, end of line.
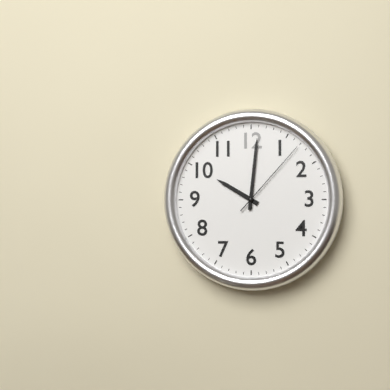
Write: 10:01:07
